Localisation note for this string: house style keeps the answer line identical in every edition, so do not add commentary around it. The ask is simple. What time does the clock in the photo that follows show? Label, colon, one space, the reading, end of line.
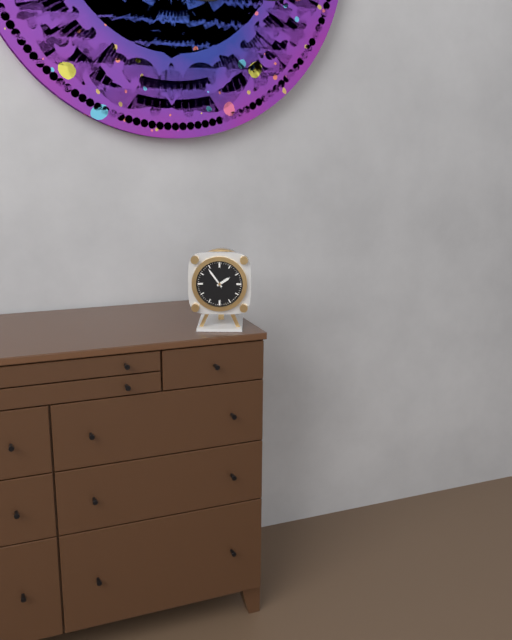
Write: 1:54
